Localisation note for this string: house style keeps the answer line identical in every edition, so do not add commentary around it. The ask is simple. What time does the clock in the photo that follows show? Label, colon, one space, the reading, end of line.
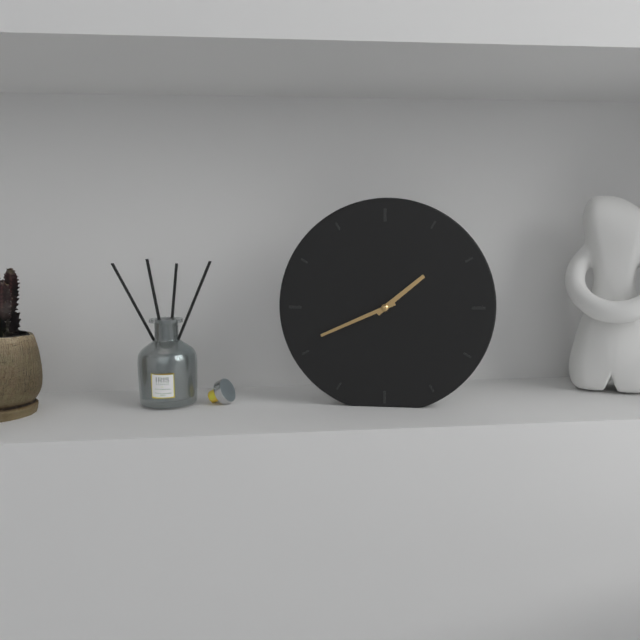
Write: 1:41
